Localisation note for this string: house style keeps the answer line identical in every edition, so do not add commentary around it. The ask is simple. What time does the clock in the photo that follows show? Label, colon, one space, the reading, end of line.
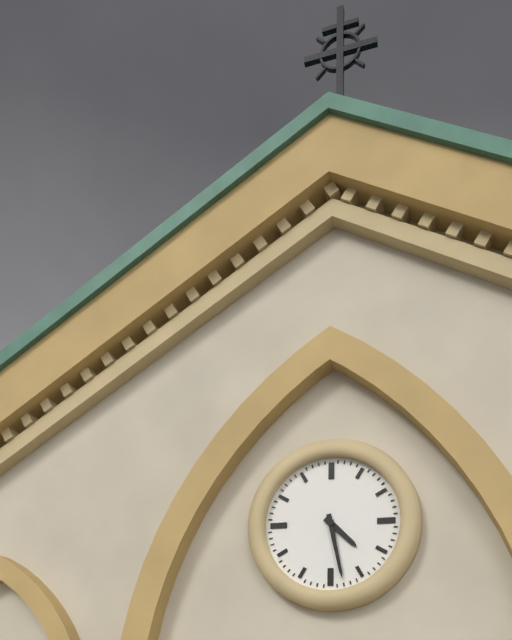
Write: 4:28
